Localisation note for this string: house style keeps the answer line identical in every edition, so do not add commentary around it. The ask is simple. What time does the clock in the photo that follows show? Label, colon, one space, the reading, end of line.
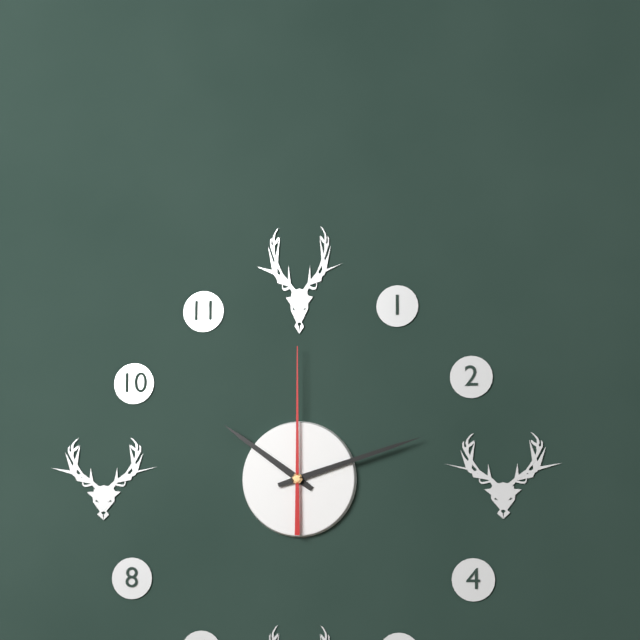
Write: 10:12:00
